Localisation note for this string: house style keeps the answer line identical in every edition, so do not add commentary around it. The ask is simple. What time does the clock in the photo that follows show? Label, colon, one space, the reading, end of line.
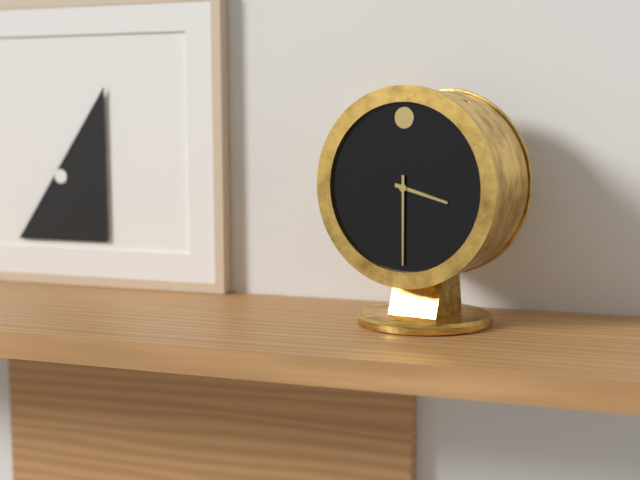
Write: 3:30
